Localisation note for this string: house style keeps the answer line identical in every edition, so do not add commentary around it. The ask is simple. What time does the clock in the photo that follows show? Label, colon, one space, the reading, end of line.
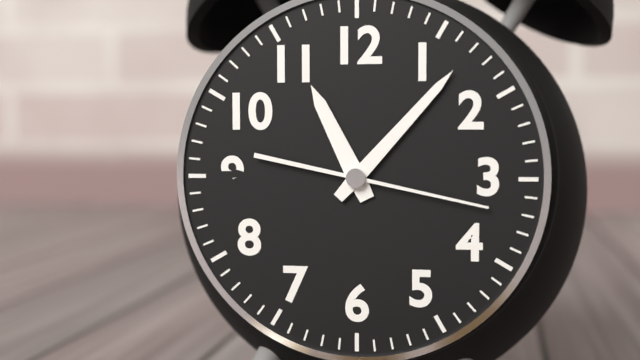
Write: 11:07:17
